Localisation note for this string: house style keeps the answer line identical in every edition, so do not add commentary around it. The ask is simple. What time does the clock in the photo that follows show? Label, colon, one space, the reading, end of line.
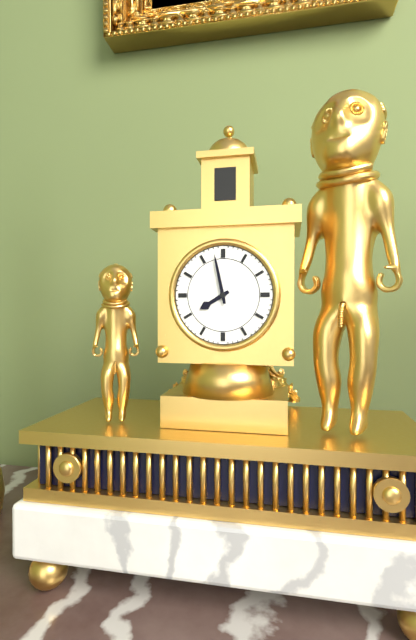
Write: 7:58
